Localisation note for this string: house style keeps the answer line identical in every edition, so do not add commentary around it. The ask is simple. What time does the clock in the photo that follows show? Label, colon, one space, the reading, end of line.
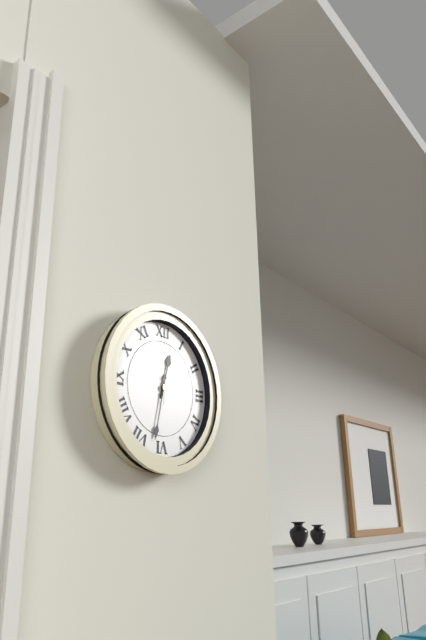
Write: 12:32:00
